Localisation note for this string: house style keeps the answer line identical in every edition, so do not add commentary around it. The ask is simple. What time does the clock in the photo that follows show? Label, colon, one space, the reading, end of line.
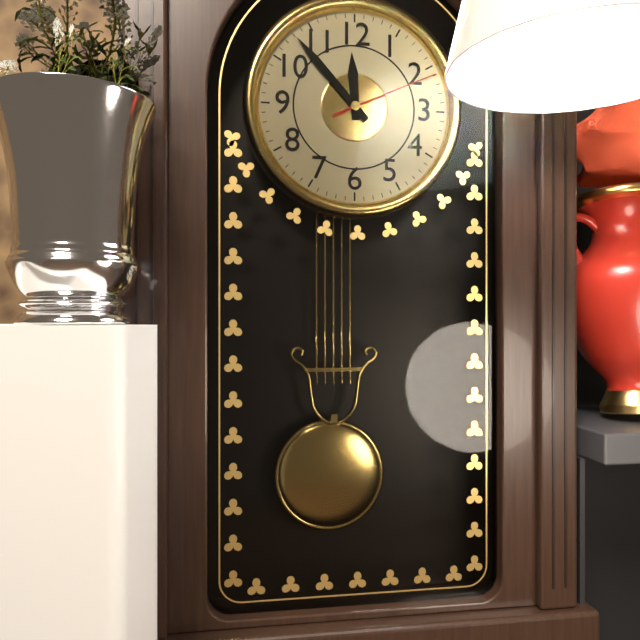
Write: 11:53:11
